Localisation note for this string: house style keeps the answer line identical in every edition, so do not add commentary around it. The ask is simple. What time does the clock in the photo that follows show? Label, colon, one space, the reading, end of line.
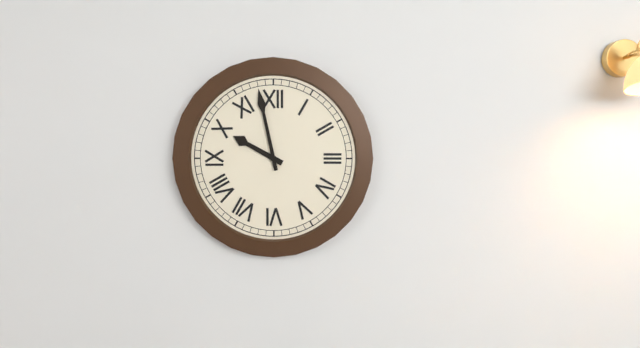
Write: 9:58
